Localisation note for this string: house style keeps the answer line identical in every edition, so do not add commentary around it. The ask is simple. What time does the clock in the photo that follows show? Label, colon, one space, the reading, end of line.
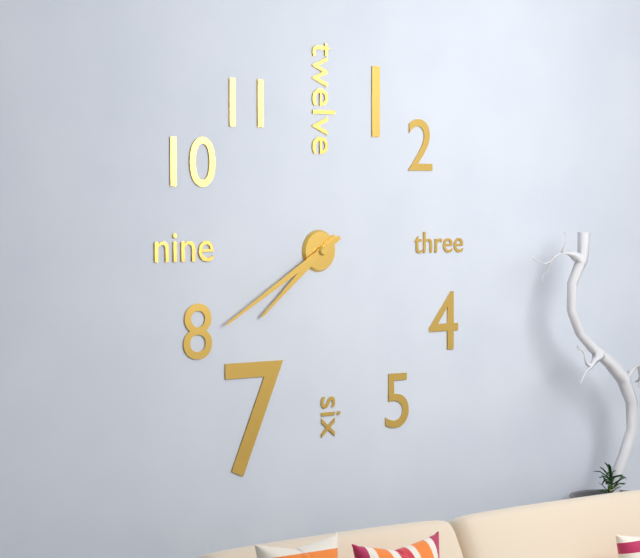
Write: 7:40
